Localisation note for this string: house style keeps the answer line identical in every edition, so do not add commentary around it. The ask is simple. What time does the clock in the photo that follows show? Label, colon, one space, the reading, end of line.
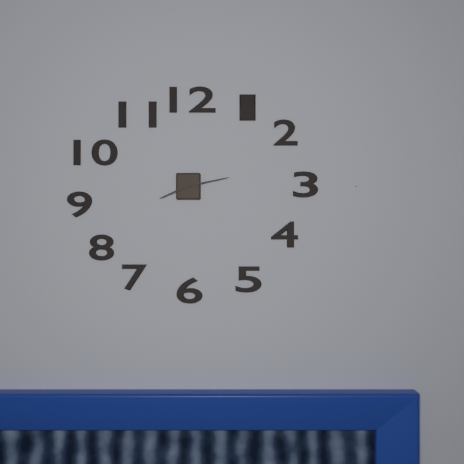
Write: 8:13
